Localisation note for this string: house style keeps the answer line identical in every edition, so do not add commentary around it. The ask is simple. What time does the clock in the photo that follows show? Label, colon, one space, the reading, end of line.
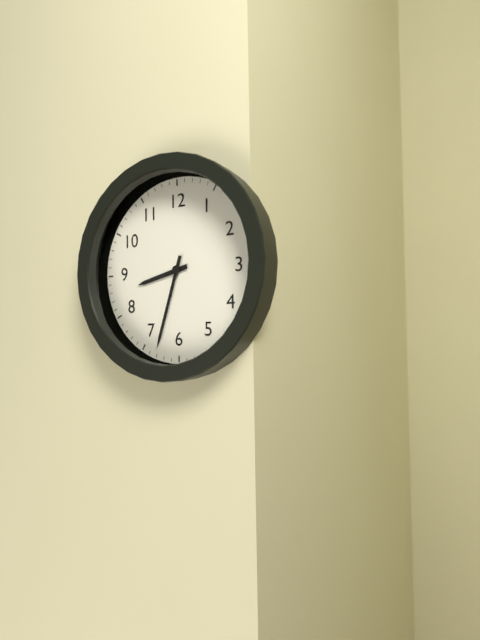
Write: 8:33
